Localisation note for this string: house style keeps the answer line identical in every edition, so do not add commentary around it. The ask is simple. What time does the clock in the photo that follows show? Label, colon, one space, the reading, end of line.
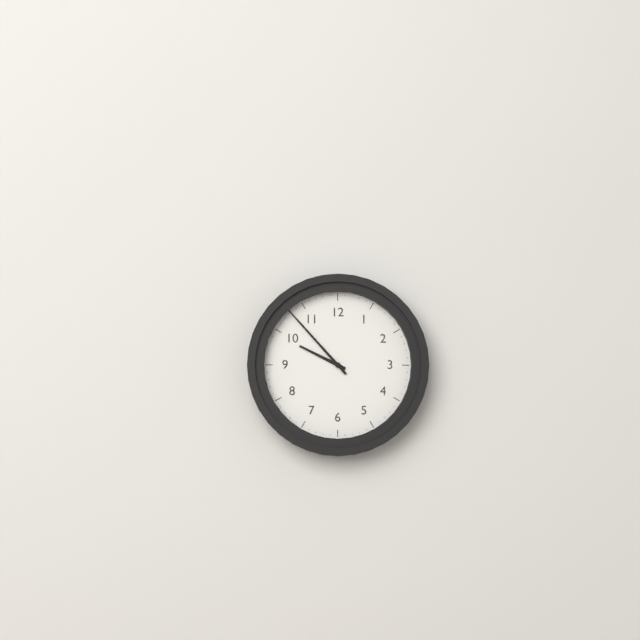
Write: 9:53
